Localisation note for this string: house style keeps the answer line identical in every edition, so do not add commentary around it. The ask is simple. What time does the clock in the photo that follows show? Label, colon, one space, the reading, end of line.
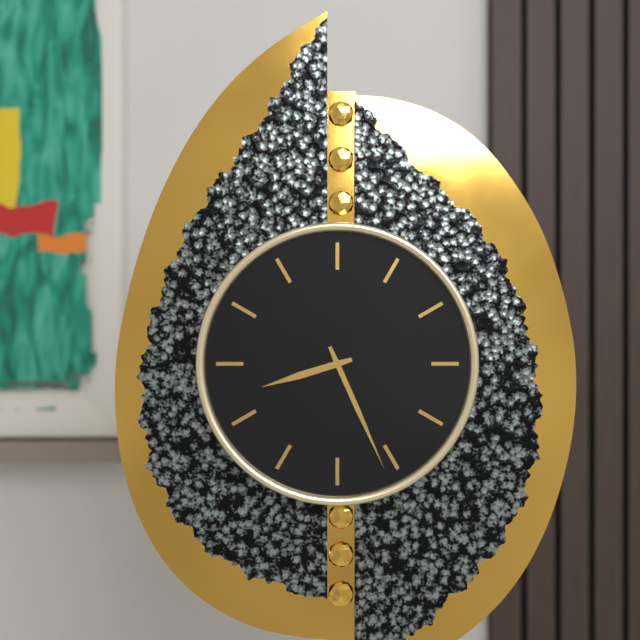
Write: 8:26
